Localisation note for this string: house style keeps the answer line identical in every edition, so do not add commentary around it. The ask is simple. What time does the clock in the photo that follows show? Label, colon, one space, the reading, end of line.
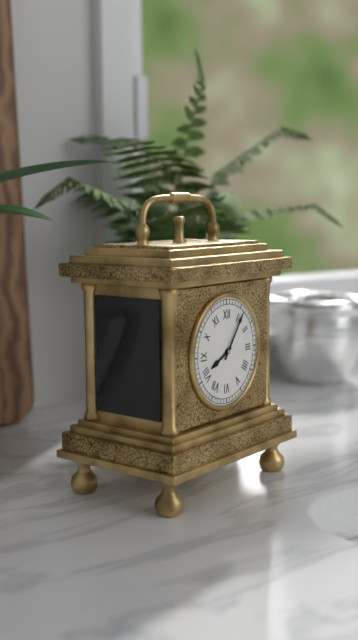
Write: 8:06
